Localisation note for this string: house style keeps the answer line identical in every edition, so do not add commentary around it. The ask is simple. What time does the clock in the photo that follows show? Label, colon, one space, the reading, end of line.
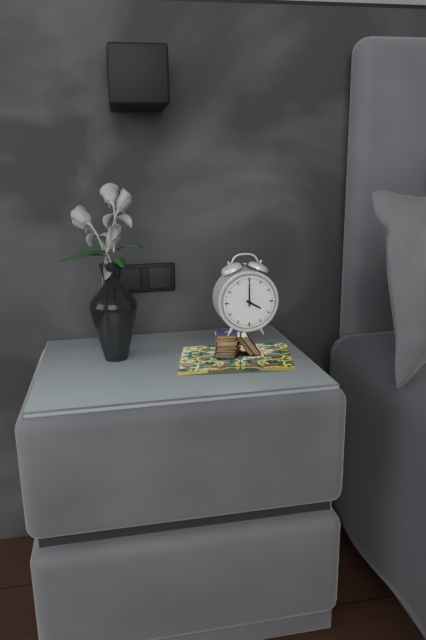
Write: 4:00
